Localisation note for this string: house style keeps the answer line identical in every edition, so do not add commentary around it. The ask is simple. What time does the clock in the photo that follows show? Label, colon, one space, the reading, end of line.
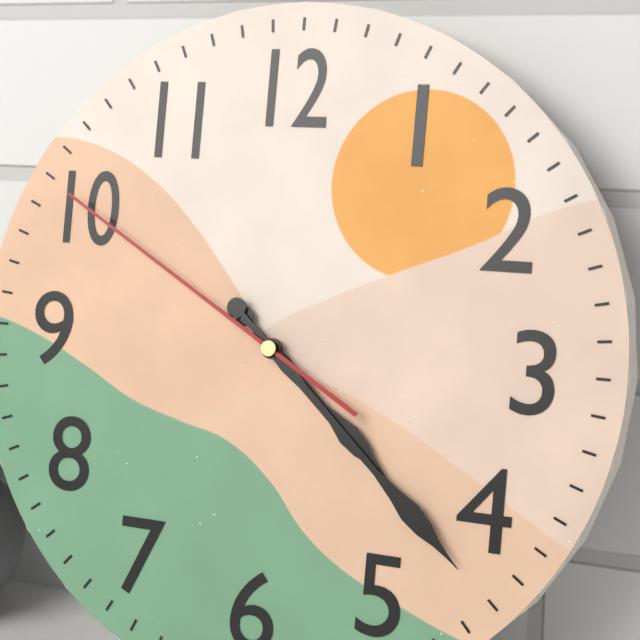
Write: 4:22:50
